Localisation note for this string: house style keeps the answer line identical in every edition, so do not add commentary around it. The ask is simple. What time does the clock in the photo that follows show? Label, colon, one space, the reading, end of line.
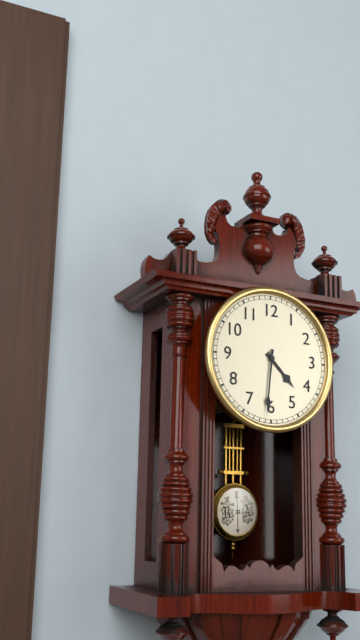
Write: 4:31
